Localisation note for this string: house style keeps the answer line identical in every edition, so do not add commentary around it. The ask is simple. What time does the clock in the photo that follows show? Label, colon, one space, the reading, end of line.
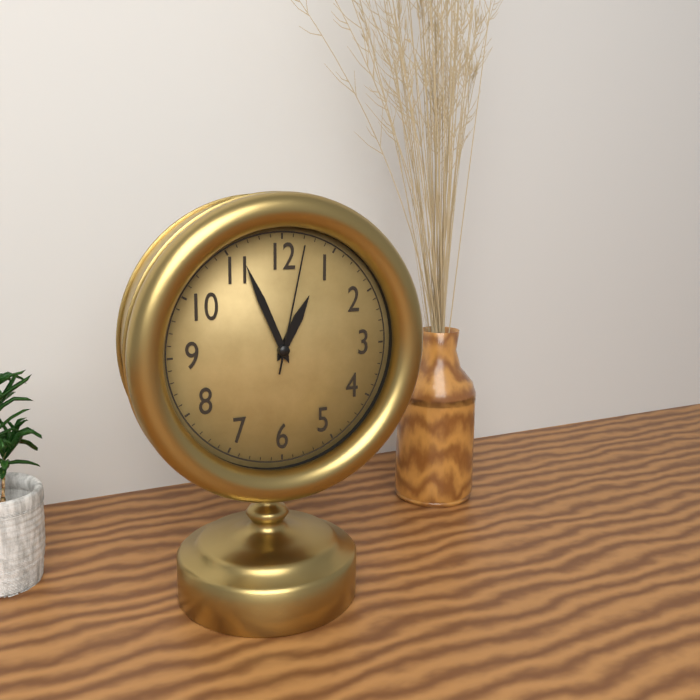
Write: 12:56:02
